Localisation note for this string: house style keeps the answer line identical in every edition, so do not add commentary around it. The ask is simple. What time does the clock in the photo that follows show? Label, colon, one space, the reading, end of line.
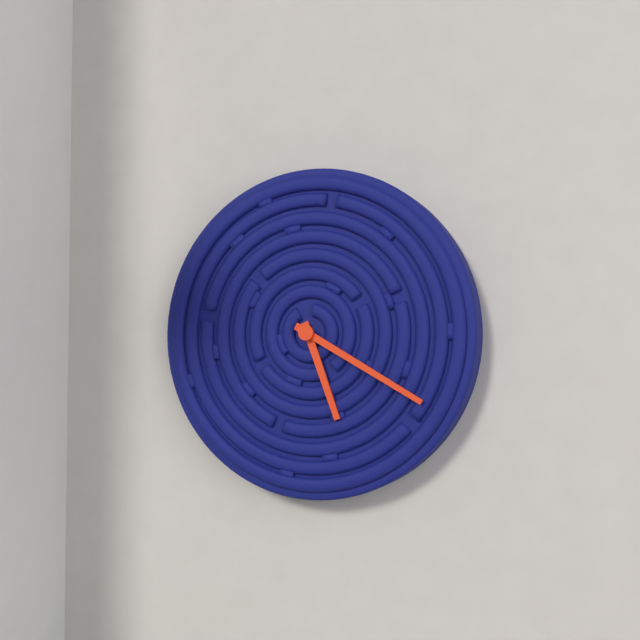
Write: 5:20
